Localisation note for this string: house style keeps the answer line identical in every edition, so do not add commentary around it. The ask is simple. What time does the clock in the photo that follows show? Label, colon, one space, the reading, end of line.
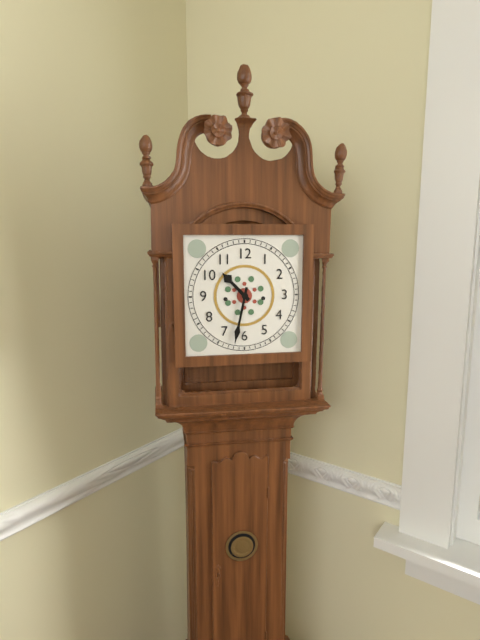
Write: 10:32
